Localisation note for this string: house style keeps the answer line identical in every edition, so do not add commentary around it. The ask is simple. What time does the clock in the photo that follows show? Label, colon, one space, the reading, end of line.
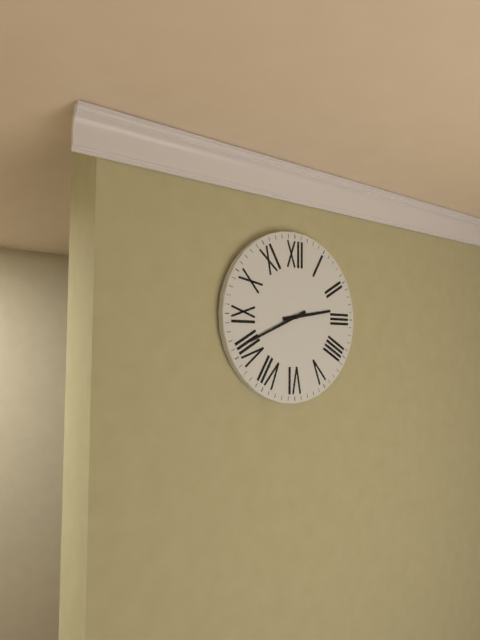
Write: 2:41
